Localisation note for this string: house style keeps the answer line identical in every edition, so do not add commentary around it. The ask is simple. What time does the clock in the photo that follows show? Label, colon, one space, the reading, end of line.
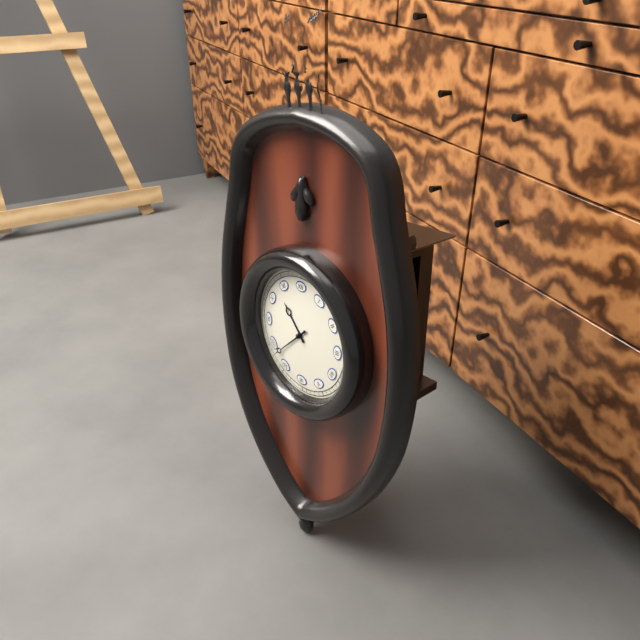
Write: 10:38
